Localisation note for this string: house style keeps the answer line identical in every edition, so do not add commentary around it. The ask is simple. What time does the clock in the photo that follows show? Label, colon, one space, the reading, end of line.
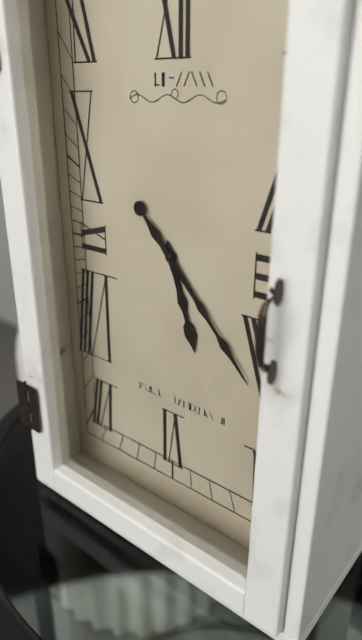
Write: 5:23
